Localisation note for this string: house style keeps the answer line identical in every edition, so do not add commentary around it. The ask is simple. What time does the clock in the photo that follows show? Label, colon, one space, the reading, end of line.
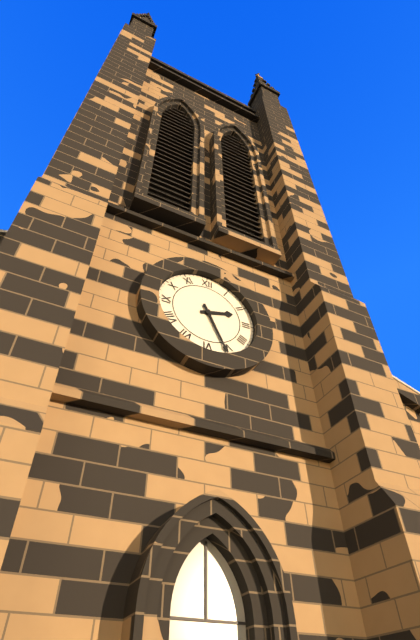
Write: 2:26
